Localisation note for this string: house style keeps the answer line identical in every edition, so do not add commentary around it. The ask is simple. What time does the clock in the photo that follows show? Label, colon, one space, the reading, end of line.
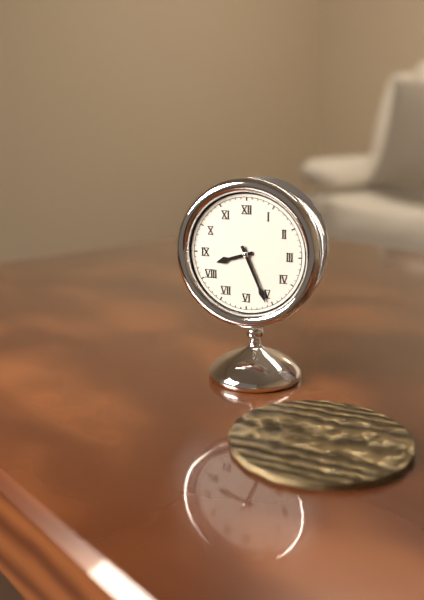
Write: 8:26
